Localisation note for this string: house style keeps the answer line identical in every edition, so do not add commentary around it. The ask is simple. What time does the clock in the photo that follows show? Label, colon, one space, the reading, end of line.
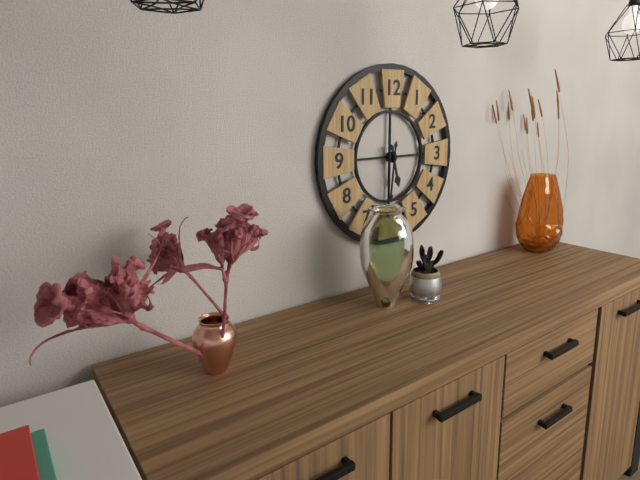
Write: 5:31
